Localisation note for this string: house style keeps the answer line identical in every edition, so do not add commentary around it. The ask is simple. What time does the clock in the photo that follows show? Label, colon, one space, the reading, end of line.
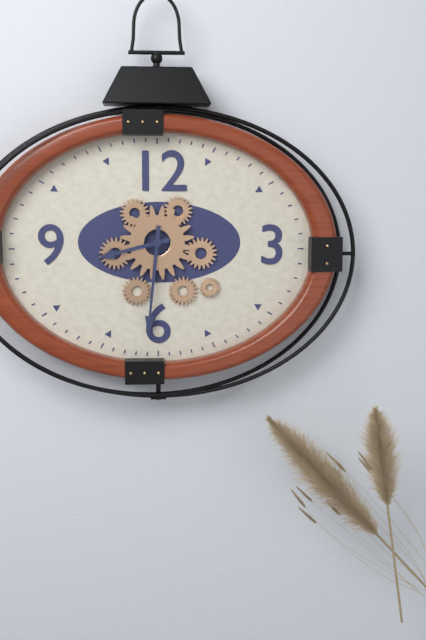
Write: 8:31
